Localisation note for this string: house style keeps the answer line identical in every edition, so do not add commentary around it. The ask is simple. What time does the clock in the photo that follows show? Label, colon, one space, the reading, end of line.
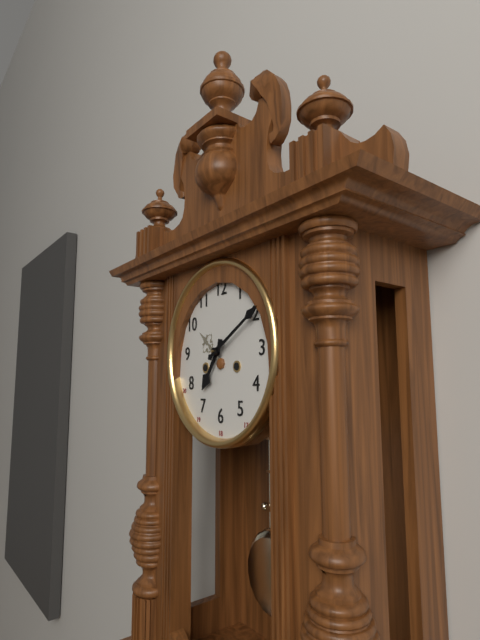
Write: 7:10
